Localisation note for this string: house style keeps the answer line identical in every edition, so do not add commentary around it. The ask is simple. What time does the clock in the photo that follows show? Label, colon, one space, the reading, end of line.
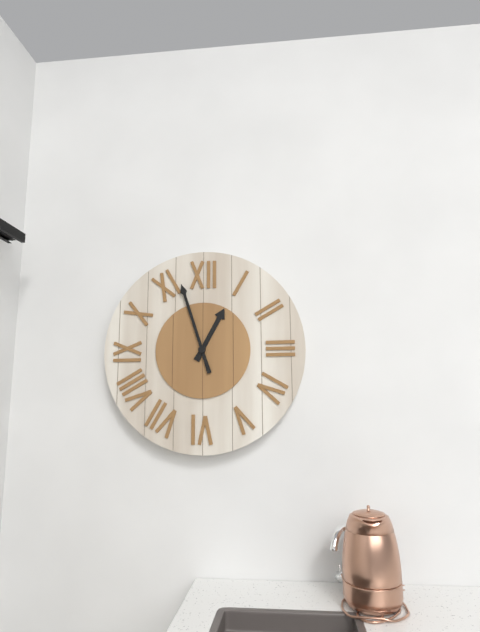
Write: 12:57
